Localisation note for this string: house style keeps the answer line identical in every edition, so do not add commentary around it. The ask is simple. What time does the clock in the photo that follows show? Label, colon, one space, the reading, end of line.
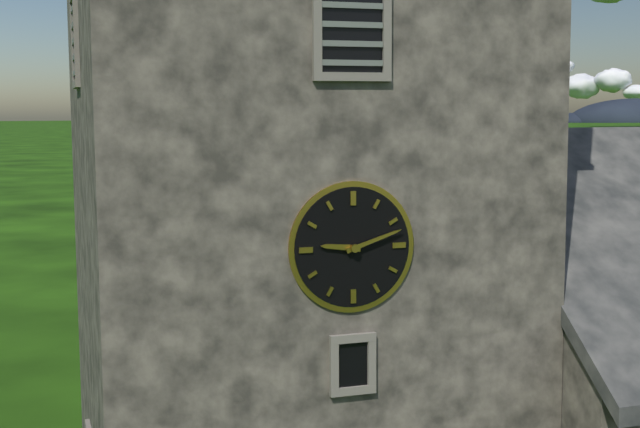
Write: 9:12
